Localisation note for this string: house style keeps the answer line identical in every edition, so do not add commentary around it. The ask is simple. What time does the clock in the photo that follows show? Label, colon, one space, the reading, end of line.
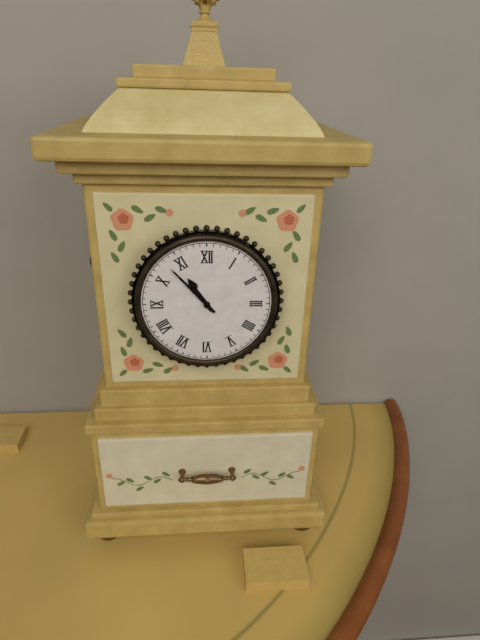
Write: 10:53
